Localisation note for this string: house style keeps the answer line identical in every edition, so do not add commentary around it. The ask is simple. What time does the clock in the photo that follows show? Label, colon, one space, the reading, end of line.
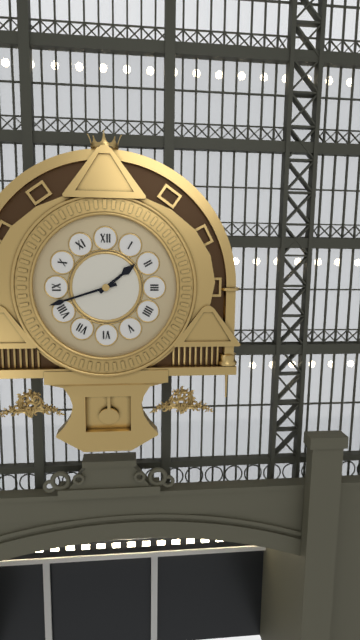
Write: 1:42
